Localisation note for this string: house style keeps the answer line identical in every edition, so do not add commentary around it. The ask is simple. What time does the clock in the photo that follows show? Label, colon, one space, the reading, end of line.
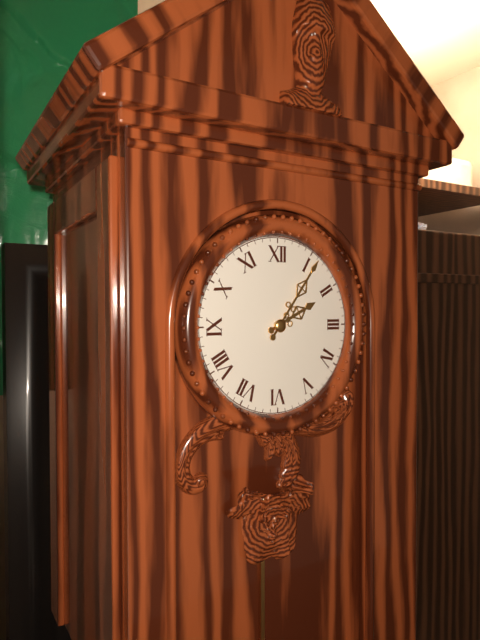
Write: 2:06
